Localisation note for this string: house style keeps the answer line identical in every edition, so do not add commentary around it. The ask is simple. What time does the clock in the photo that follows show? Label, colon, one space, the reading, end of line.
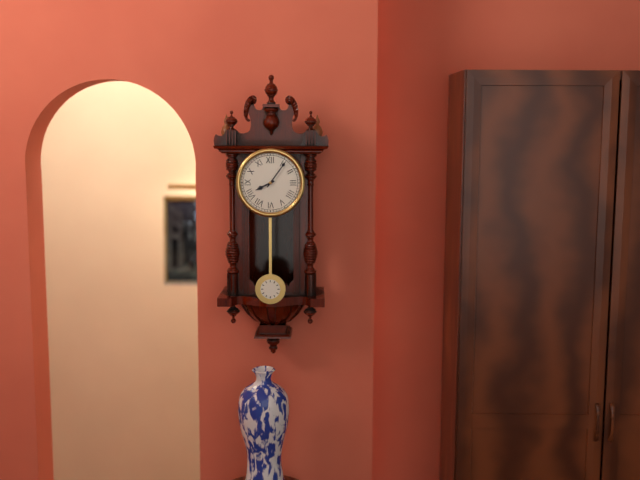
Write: 8:06
